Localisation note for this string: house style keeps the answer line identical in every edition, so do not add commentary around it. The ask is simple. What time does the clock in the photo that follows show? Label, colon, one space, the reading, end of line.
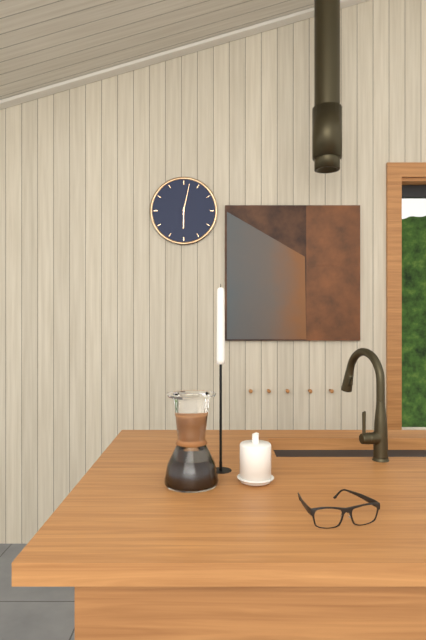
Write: 6:02
